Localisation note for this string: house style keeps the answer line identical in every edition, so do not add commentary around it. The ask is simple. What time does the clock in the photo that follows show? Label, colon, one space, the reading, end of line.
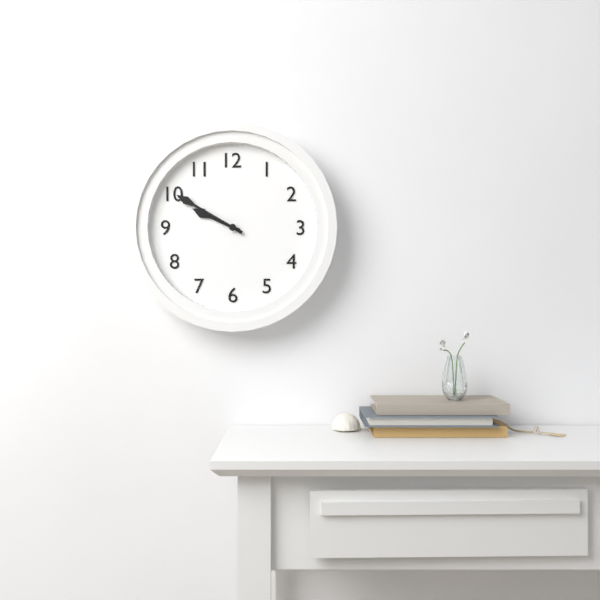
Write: 9:50
